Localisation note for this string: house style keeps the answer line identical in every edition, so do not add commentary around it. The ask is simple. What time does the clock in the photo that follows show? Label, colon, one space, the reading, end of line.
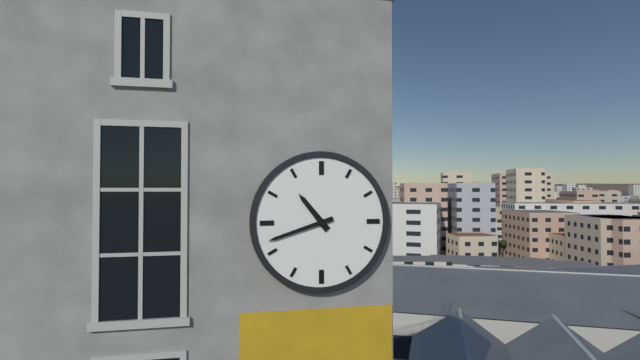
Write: 10:42
